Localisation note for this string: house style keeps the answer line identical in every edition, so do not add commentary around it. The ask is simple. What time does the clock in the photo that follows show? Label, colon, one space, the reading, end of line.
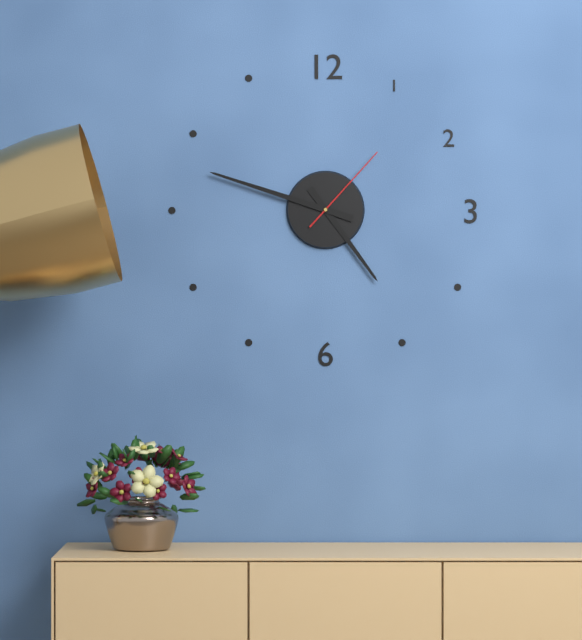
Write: 4:48:07
